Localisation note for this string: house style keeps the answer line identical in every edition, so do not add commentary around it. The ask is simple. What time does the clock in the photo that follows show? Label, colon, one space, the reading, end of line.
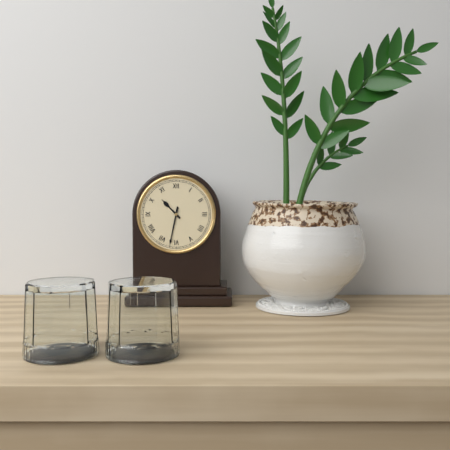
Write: 10:32
